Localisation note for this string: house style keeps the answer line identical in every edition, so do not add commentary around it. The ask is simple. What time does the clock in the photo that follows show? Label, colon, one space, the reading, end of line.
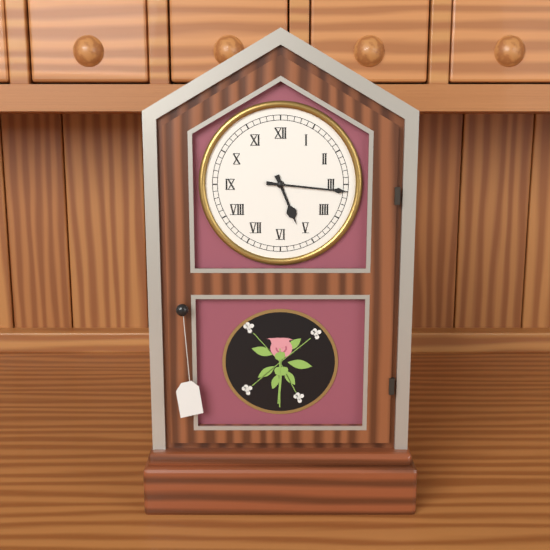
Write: 5:16
